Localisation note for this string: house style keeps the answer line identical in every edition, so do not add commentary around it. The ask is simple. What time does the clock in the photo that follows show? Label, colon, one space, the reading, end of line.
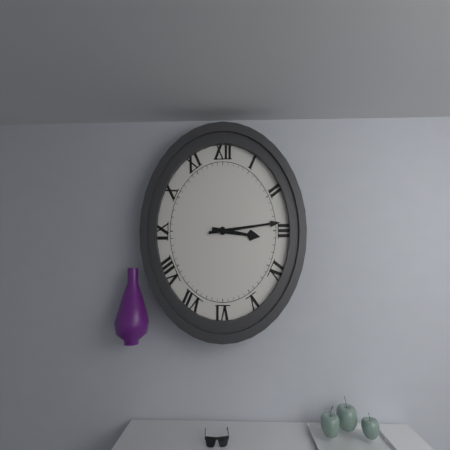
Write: 3:14
